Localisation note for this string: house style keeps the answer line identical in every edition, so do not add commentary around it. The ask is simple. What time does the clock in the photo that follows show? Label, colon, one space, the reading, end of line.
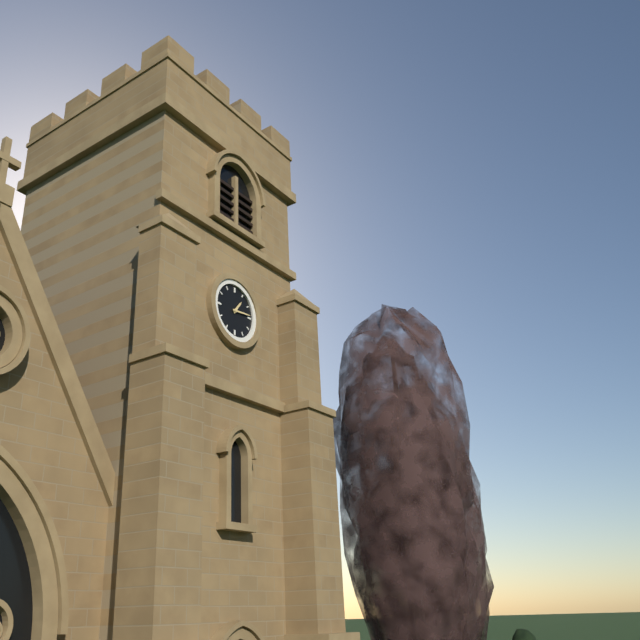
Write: 1:14
